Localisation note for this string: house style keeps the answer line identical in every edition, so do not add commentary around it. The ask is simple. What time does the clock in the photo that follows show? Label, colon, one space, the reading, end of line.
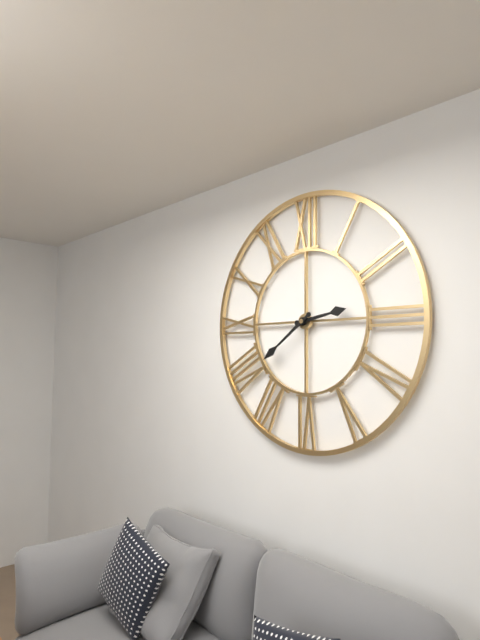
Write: 2:39
